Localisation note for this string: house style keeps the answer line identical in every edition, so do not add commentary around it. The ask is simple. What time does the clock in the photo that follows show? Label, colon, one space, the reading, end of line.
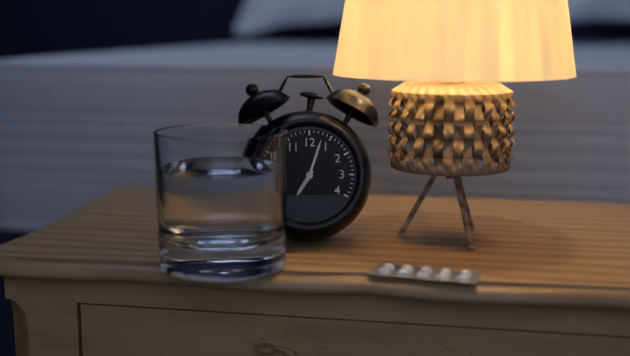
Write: 7:03
